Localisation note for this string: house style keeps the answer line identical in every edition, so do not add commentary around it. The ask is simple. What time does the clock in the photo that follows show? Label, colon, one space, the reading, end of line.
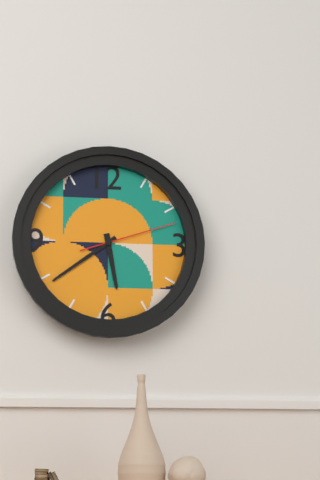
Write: 5:39:12
